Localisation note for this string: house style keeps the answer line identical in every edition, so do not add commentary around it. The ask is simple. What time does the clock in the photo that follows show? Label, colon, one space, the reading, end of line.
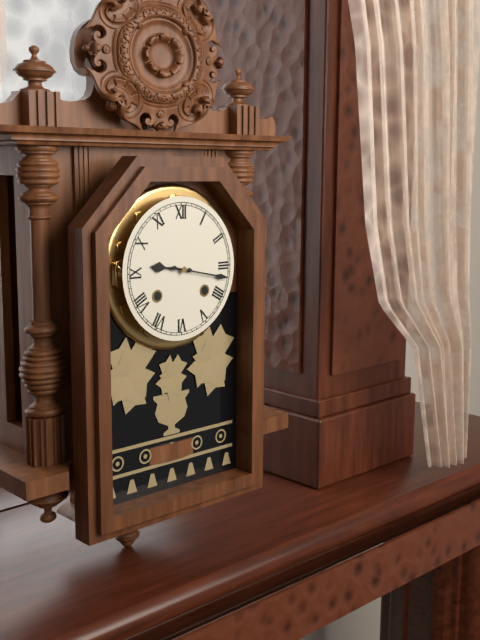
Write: 9:17
